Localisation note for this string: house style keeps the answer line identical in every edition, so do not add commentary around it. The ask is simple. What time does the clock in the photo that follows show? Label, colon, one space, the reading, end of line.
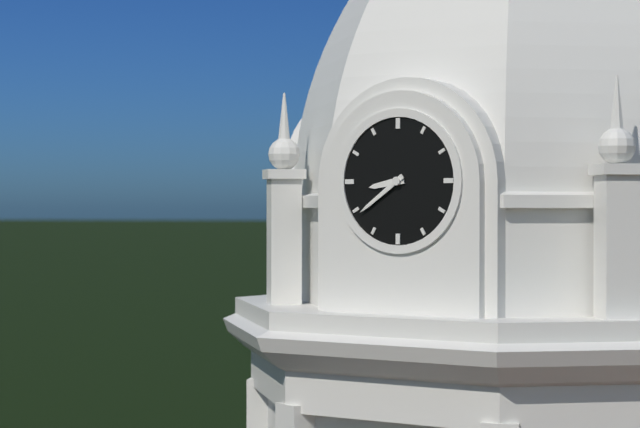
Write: 8:39
